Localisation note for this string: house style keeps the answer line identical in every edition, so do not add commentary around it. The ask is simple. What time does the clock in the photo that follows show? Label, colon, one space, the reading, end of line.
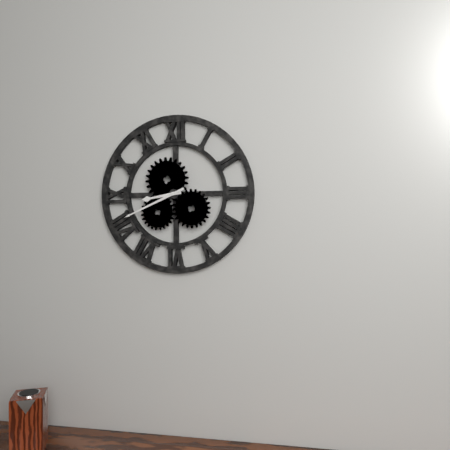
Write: 8:41
